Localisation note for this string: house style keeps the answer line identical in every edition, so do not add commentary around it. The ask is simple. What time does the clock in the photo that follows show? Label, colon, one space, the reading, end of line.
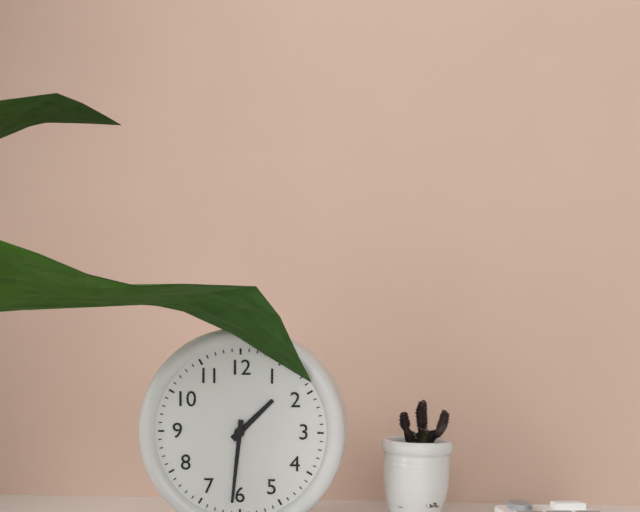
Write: 1:31
